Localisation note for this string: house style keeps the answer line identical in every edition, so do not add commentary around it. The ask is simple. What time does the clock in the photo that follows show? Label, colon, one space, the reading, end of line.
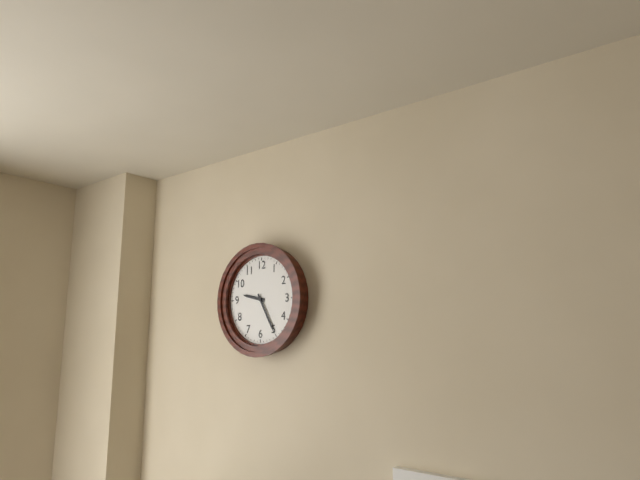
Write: 9:25
